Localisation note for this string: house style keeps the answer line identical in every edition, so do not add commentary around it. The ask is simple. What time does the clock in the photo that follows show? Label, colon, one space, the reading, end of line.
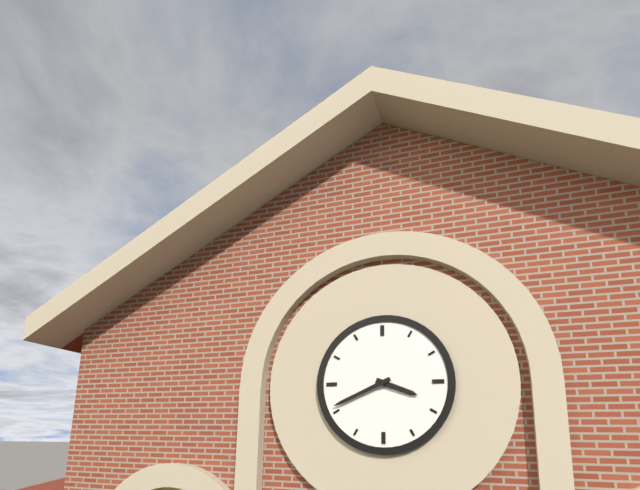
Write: 3:41
